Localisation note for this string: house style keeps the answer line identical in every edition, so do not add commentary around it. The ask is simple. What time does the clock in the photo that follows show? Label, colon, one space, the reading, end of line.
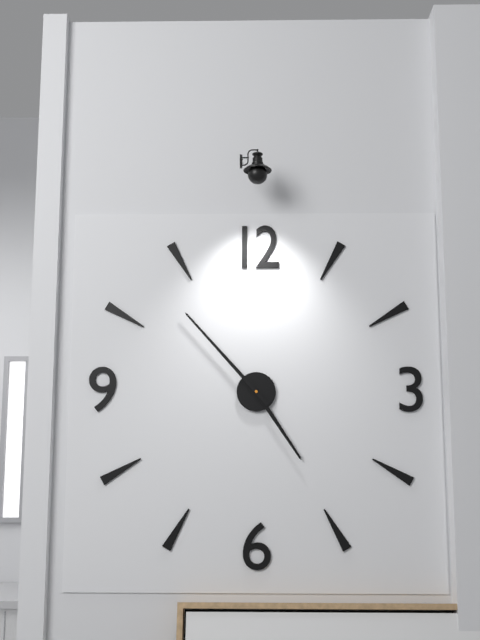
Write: 4:53
